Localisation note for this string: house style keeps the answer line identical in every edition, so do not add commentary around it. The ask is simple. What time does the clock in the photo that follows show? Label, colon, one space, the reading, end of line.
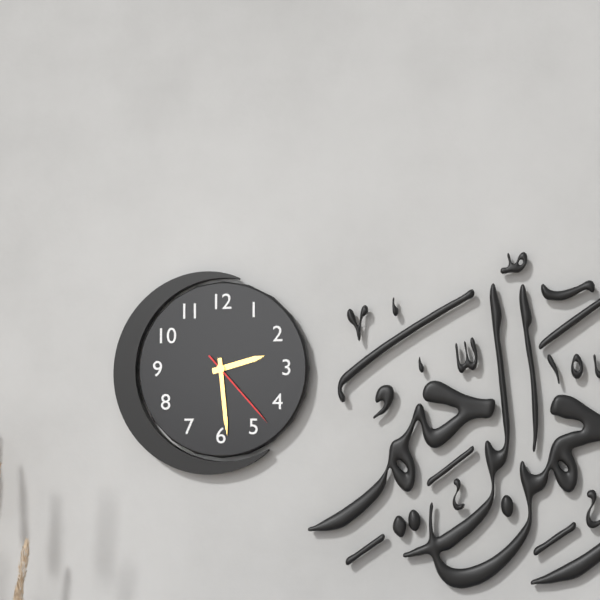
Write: 2:29:23
